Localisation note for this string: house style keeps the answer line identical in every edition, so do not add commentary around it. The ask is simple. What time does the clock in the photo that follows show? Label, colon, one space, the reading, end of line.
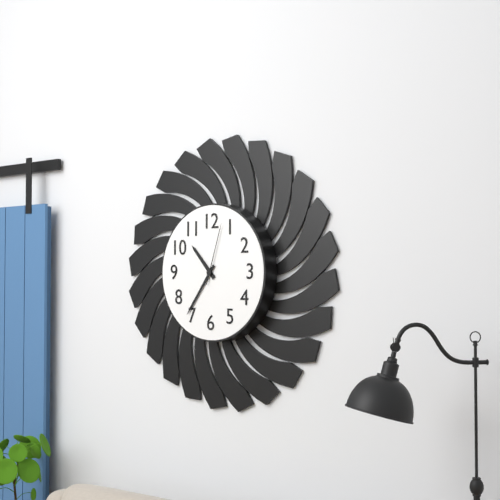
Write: 10:36:03
